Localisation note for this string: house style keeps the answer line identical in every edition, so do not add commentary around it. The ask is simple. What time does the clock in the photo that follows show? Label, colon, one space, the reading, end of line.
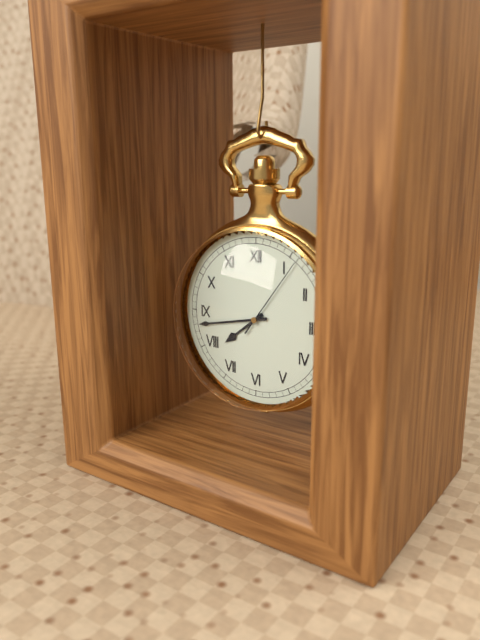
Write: 7:43:06
